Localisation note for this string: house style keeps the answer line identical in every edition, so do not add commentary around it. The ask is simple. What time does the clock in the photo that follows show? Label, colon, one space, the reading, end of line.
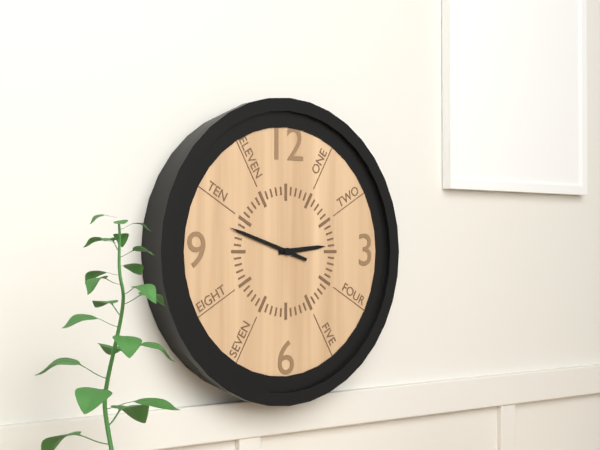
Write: 2:48
